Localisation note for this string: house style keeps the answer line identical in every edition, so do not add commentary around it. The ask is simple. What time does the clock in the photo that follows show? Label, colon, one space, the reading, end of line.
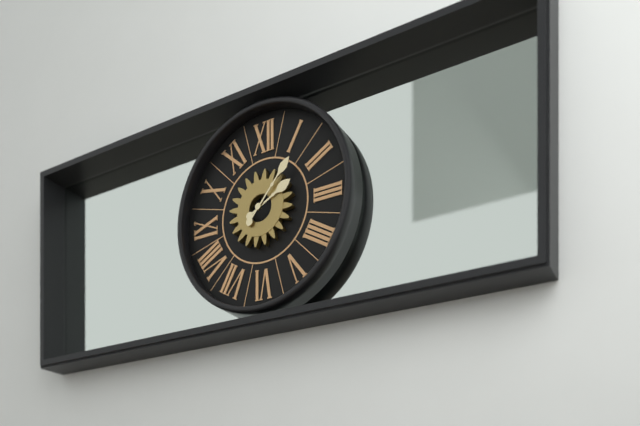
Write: 2:07
